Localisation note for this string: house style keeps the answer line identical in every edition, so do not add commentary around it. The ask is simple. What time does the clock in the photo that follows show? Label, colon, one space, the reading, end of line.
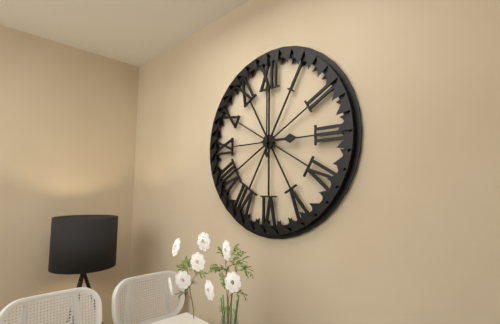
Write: 3:00
